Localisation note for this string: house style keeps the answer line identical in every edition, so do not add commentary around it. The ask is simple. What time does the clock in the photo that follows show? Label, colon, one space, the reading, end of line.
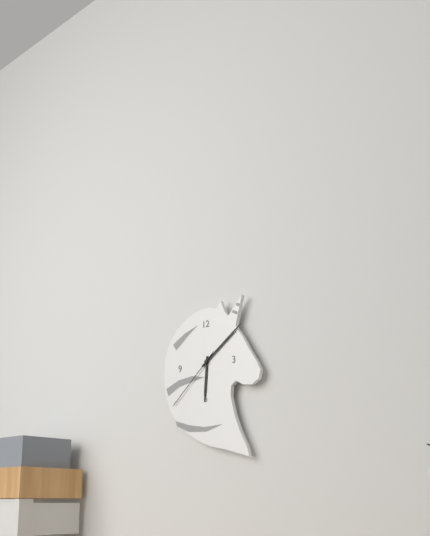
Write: 6:09:38
